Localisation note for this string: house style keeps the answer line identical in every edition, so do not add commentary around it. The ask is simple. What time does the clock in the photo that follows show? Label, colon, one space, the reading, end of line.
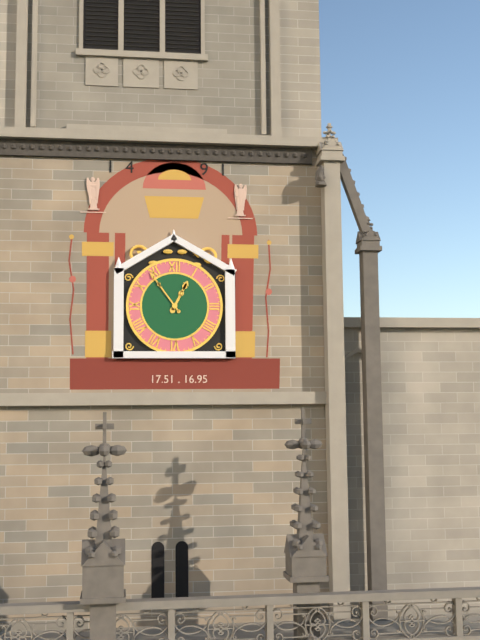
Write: 12:54
